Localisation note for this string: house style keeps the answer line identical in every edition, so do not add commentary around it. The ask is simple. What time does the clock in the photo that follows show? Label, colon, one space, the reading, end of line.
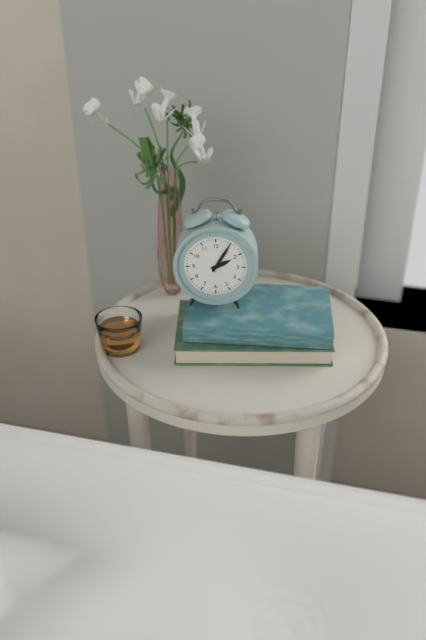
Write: 2:05
